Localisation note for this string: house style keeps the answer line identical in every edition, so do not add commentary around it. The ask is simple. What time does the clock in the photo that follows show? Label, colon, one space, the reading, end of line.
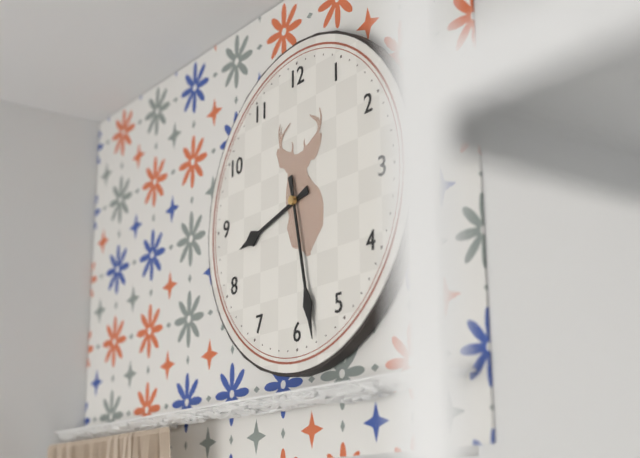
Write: 8:28
